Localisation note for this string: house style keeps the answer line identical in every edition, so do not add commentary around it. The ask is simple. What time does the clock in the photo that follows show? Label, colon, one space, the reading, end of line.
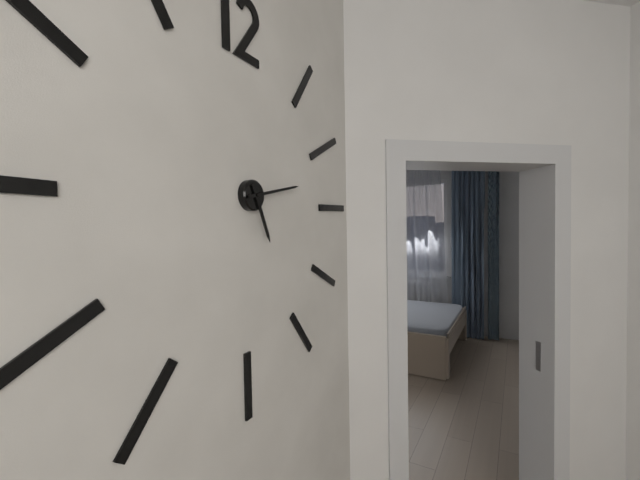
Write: 5:13
